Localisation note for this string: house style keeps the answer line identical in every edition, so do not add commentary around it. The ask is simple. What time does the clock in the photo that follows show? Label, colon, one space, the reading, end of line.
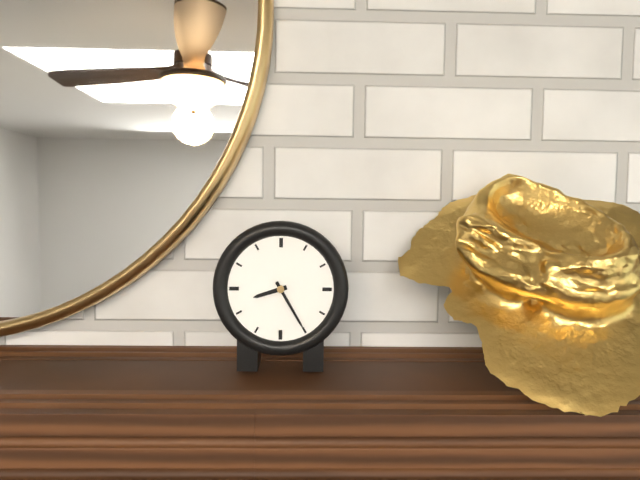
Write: 8:25
